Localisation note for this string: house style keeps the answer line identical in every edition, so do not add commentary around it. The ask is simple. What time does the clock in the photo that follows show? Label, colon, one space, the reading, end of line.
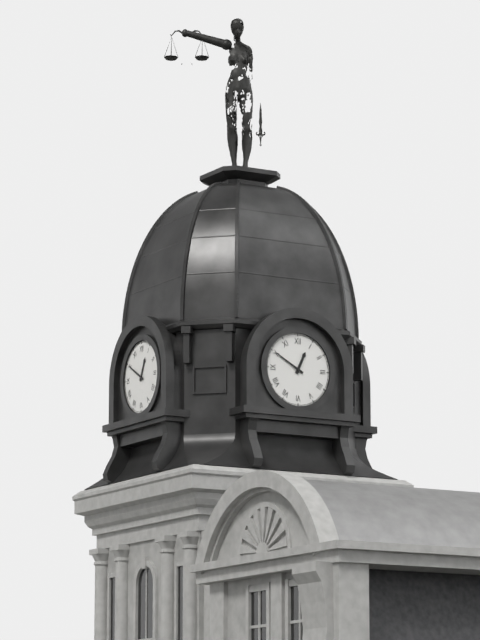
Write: 12:50
